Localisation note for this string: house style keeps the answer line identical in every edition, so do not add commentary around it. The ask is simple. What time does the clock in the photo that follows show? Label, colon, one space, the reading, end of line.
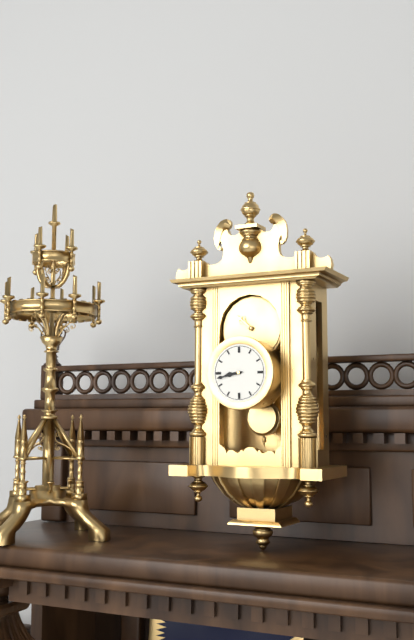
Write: 8:43
